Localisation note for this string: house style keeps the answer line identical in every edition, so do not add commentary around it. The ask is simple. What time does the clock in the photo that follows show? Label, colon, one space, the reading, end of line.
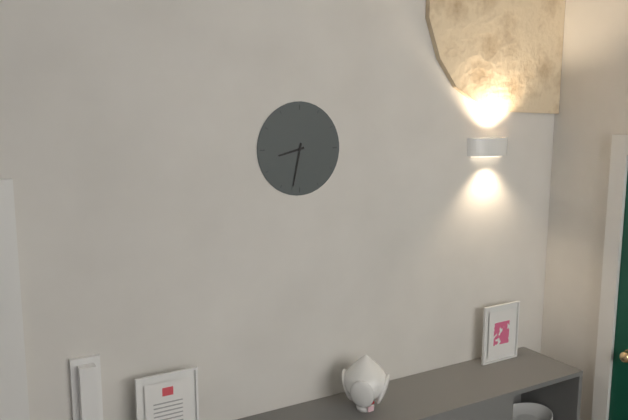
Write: 8:32
